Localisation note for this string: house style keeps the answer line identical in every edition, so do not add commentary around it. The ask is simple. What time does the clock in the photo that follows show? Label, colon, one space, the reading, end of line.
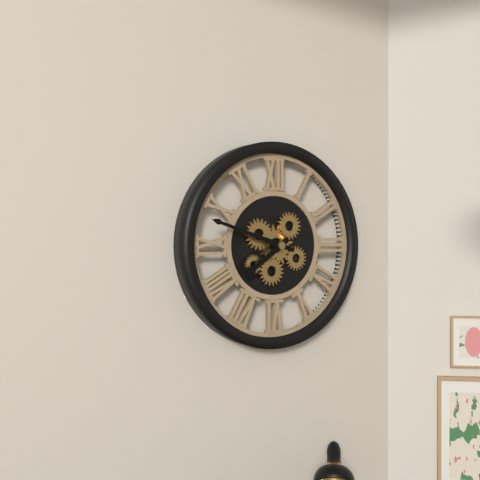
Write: 7:48
